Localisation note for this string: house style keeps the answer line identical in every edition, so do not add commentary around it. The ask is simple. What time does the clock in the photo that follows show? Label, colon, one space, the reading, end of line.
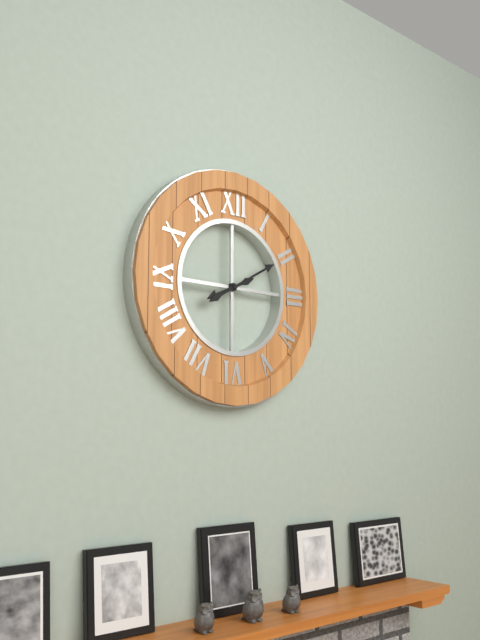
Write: 8:10
